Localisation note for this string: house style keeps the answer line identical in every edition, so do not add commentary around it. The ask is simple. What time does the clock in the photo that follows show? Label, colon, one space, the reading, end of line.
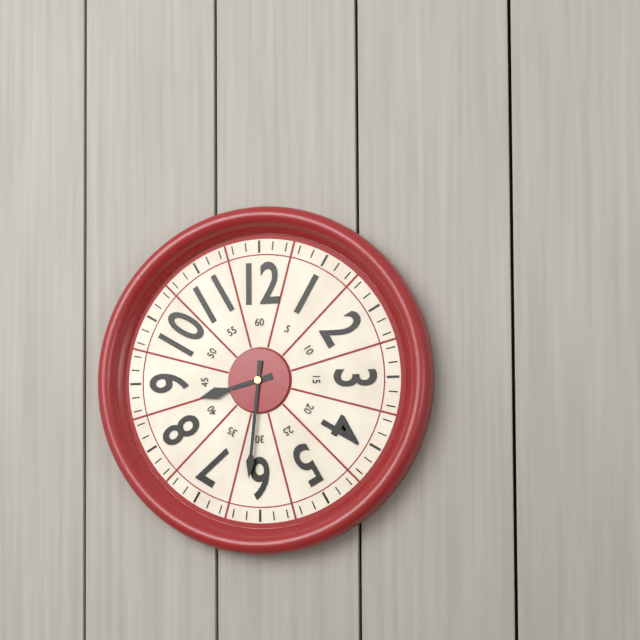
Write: 8:31
